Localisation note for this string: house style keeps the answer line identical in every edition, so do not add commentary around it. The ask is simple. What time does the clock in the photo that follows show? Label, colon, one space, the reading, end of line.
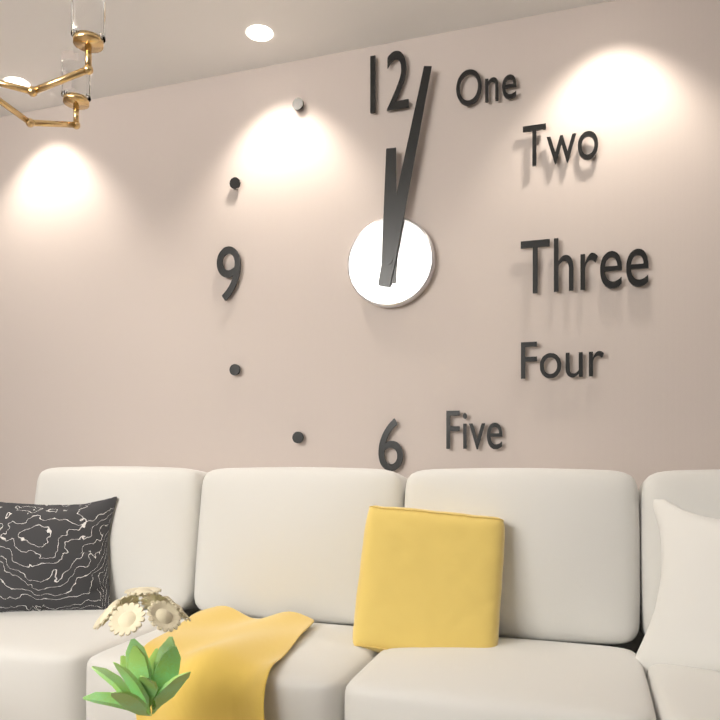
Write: 12:02
